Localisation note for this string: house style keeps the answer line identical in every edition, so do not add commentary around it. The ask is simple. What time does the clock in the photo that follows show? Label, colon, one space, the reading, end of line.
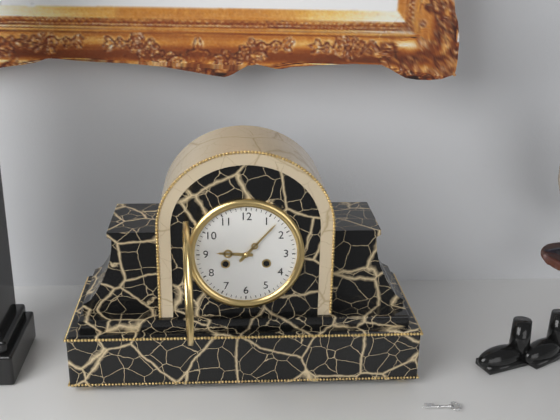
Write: 9:07
